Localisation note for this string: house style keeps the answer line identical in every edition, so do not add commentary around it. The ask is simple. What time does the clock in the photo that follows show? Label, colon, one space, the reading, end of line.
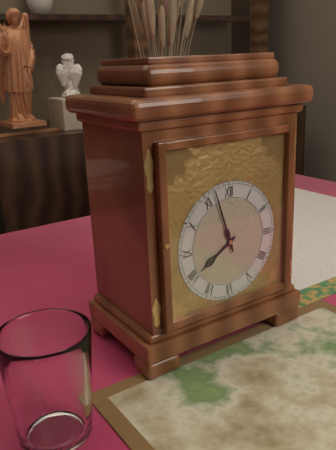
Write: 7:57
